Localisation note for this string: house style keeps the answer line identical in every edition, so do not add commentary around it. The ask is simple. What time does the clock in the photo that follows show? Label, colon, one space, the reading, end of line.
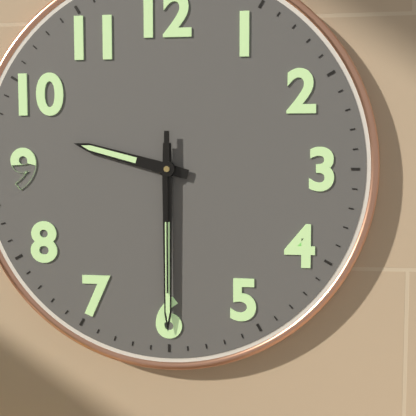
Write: 9:30:30
